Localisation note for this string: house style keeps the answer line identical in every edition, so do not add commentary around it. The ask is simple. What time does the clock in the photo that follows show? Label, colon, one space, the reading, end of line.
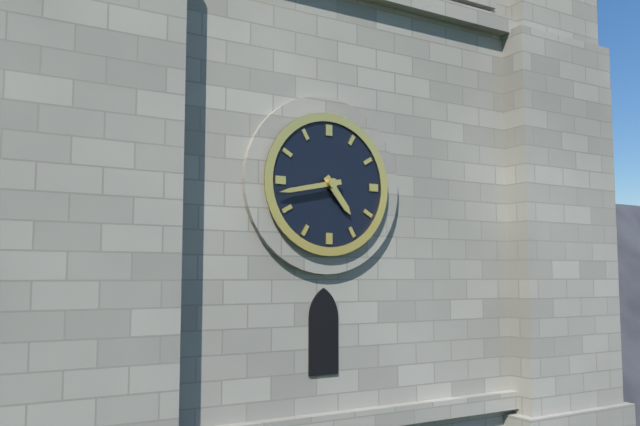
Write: 4:43
